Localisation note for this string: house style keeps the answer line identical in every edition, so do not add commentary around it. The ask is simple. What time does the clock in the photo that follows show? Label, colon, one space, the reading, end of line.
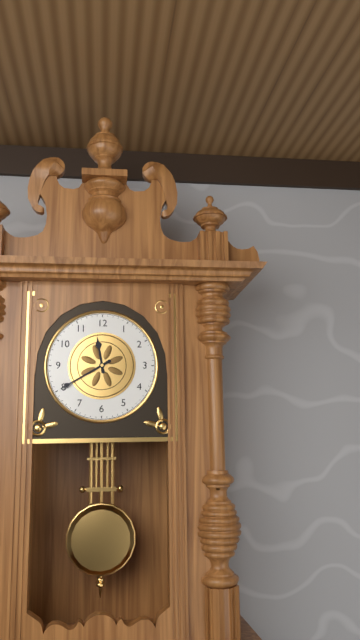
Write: 11:40
